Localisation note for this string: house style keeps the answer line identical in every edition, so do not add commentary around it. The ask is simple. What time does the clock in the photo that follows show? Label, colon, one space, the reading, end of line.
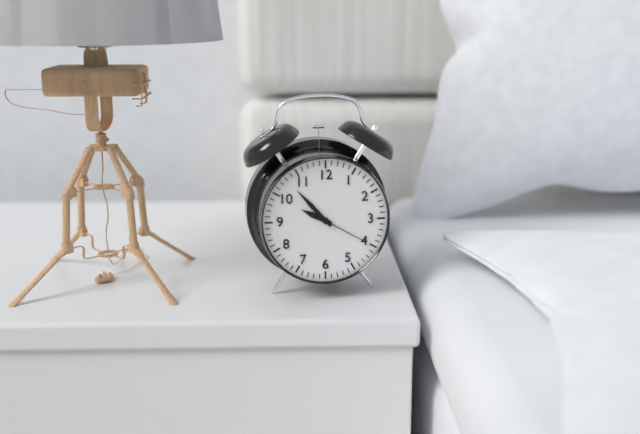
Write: 9:53:20
